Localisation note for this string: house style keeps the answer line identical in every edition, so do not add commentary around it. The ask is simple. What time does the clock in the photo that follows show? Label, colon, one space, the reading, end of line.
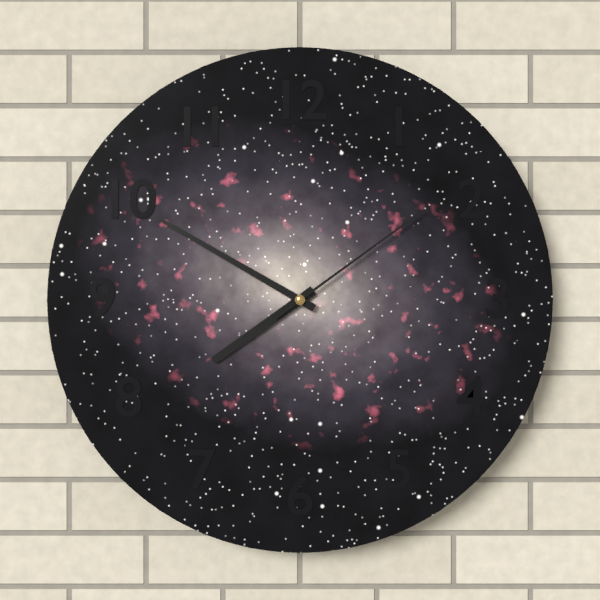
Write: 7:50:09
